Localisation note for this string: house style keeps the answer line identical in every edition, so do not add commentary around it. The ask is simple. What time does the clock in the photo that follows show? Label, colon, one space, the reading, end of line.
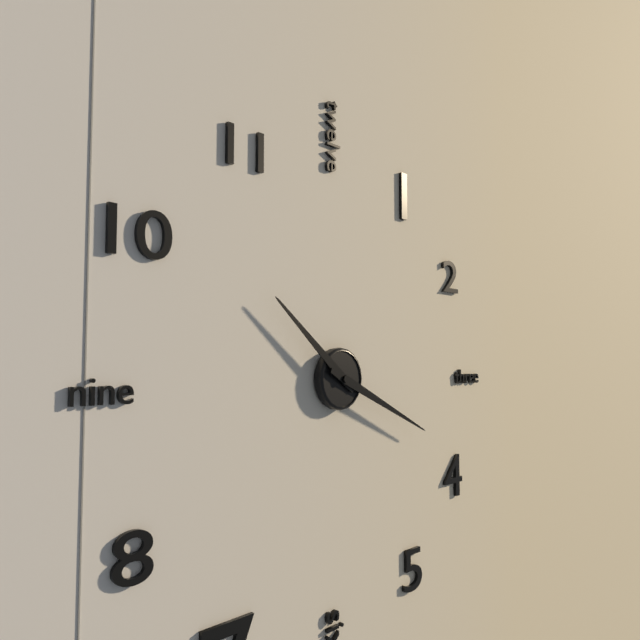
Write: 10:19
